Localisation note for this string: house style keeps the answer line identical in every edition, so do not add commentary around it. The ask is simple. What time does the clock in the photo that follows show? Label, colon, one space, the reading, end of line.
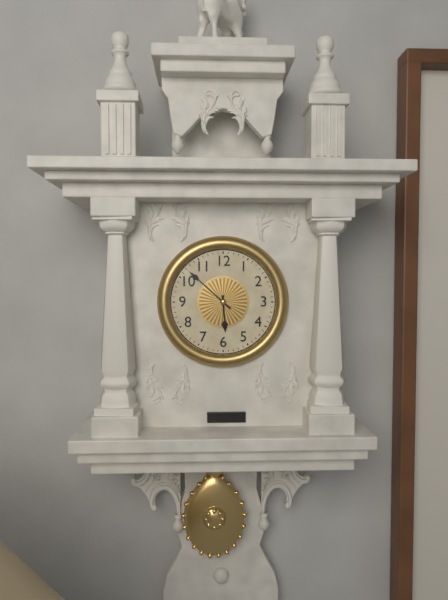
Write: 5:52
